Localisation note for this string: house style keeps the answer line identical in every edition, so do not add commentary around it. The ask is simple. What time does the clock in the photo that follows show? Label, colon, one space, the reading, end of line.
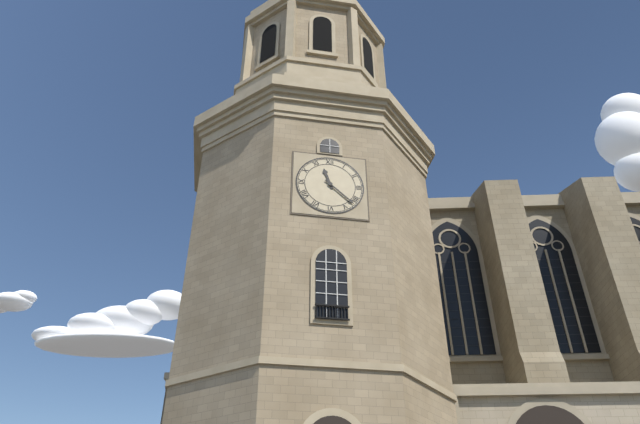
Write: 11:22
